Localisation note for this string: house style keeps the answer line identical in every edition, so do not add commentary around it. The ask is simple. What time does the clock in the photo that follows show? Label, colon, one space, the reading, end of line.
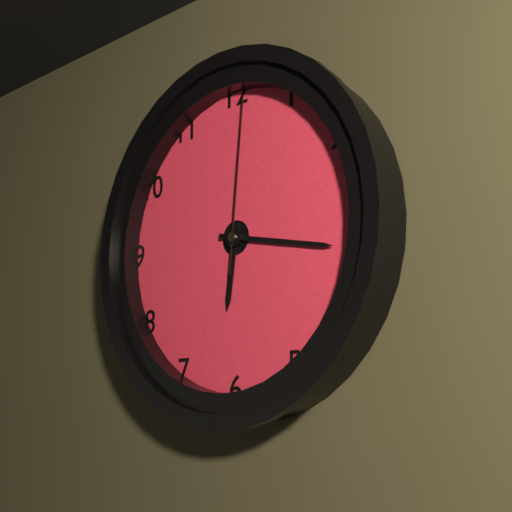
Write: 6:17:01
